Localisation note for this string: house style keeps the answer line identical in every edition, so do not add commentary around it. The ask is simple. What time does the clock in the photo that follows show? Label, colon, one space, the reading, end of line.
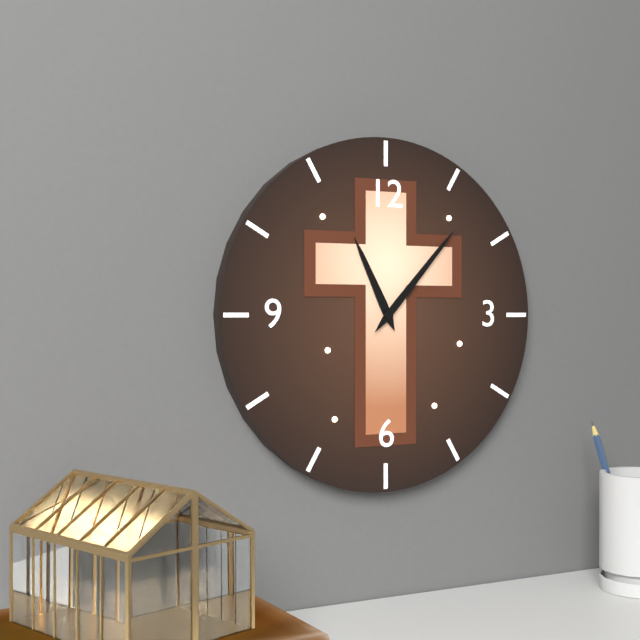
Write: 11:07
